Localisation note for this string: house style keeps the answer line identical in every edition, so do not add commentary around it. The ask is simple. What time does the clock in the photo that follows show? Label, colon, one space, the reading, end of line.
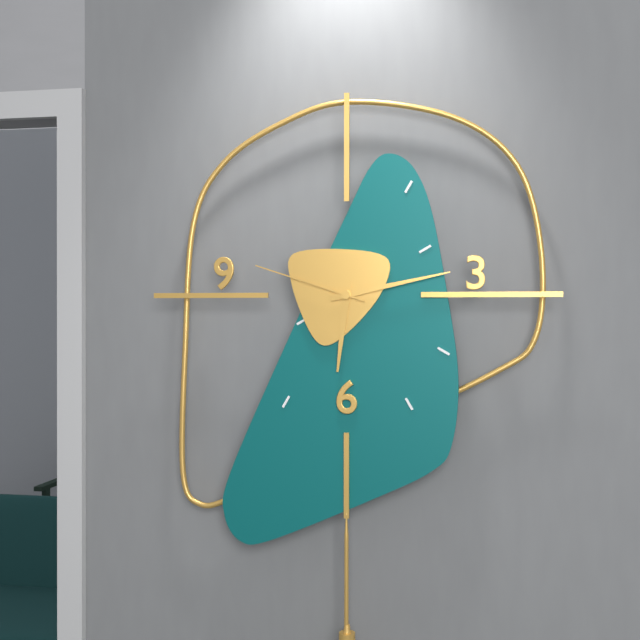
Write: 6:13:48
